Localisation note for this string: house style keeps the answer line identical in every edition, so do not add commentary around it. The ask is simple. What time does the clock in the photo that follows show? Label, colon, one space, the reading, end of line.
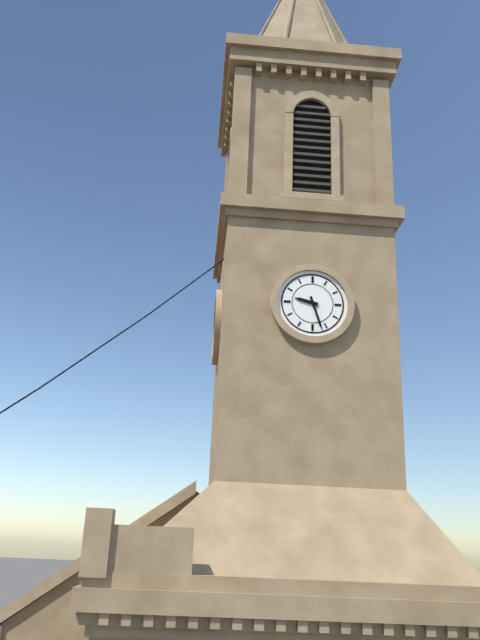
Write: 9:27
